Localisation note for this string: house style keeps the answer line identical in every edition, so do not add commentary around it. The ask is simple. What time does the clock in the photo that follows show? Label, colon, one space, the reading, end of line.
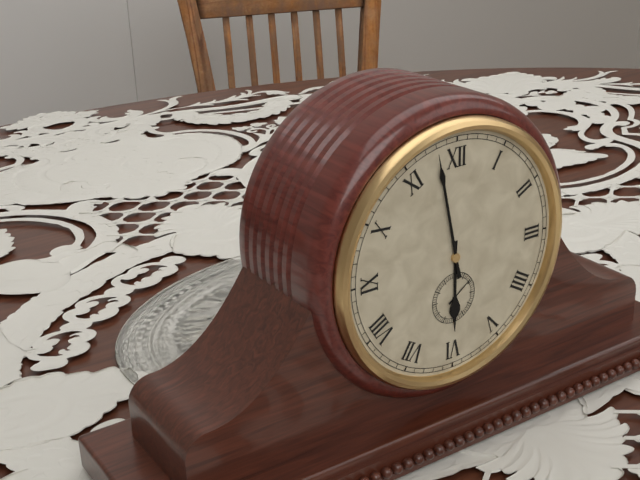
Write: 5:58:09
